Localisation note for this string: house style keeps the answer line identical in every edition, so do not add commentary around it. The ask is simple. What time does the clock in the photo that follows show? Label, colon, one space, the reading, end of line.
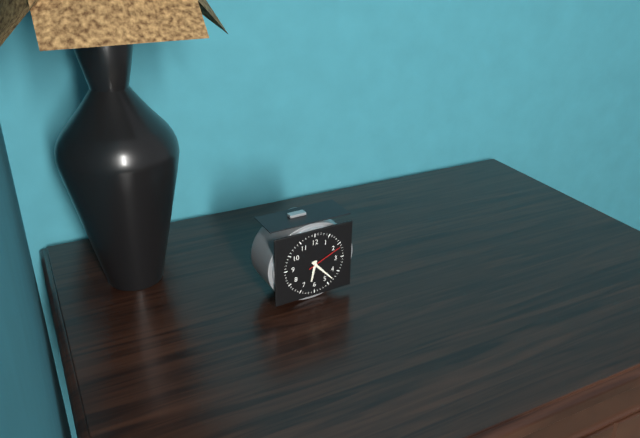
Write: 6:23
